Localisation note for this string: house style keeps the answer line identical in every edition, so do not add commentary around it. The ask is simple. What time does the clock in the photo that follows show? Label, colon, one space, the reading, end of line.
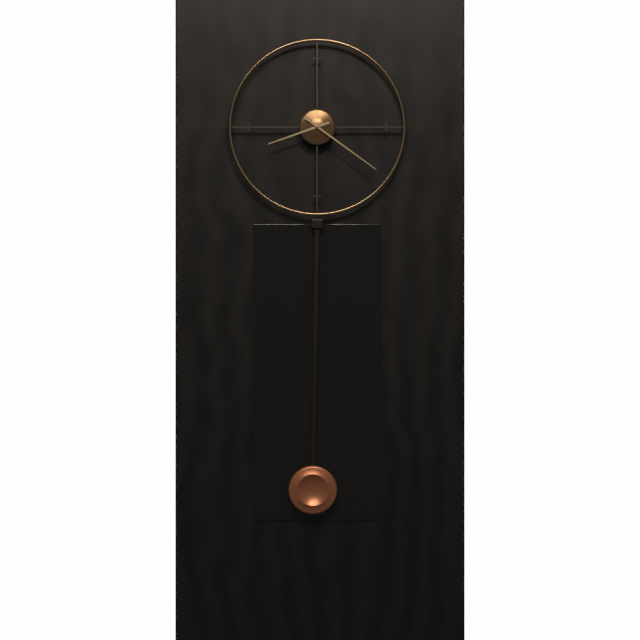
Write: 8:21
